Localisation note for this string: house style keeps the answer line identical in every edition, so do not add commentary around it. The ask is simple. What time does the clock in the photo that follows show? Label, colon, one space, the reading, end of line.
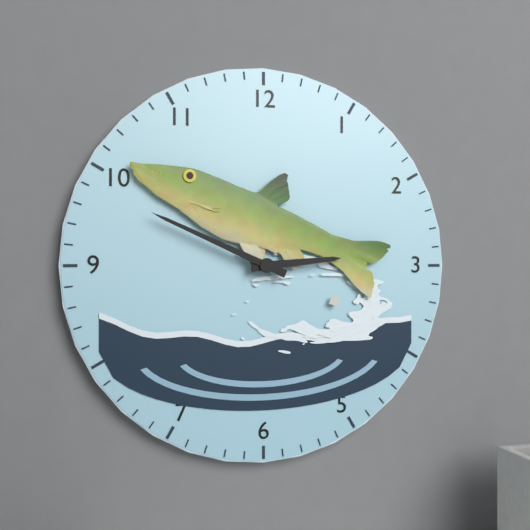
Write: 2:49
